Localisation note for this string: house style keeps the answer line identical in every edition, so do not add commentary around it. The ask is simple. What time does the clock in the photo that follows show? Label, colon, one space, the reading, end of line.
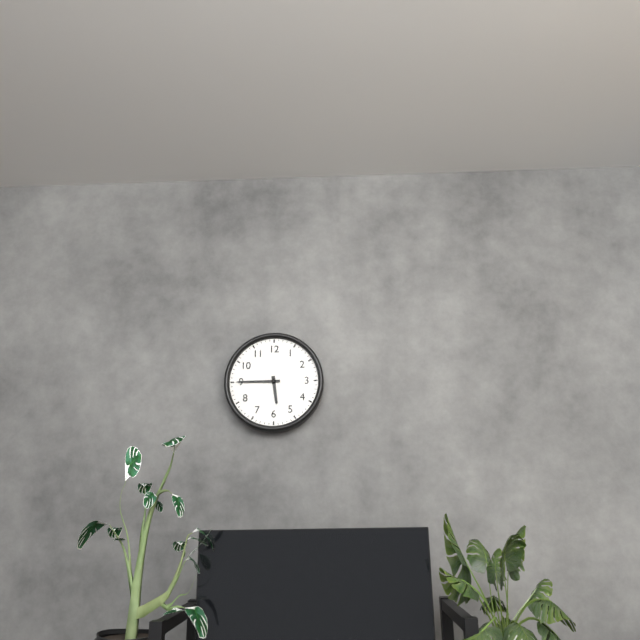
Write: 5:45
